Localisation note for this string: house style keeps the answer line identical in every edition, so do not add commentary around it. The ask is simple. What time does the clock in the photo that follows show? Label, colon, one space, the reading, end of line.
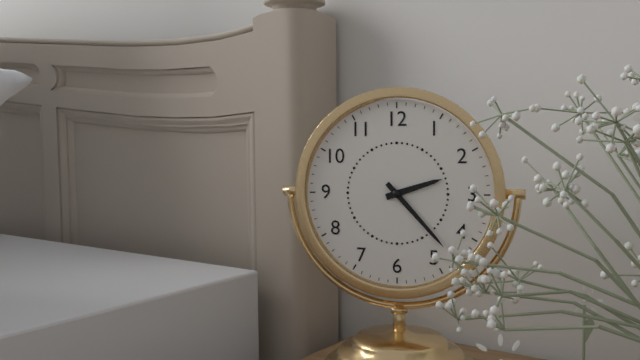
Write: 2:23
